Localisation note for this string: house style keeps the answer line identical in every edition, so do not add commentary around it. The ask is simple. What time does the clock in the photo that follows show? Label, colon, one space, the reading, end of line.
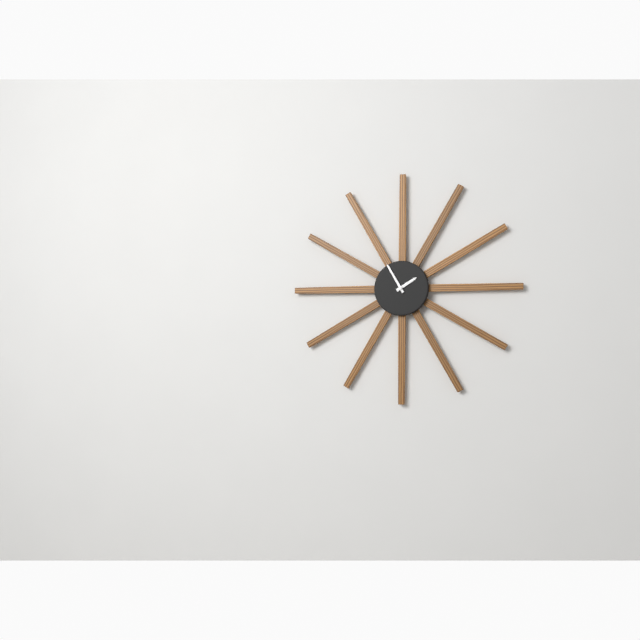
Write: 1:55
